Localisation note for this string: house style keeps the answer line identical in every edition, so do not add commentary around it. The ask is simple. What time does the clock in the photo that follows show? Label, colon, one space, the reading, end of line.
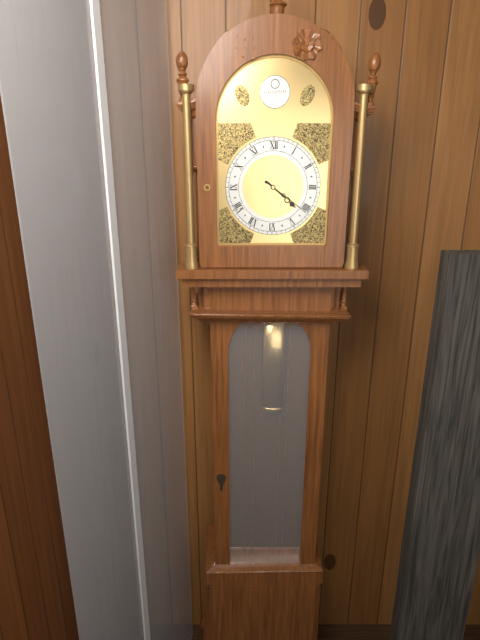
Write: 4:21
